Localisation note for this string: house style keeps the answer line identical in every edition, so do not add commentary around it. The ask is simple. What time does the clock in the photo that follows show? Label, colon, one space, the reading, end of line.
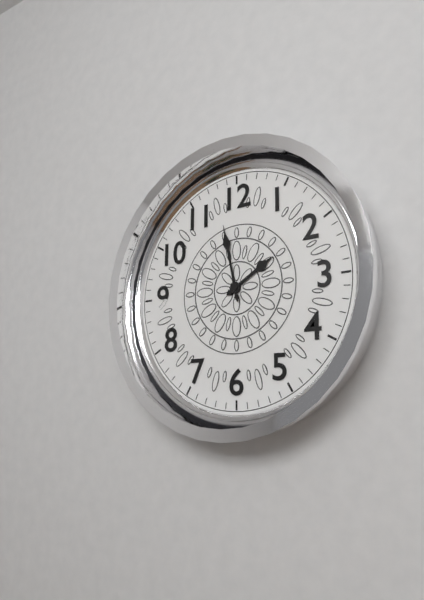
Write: 1:58
